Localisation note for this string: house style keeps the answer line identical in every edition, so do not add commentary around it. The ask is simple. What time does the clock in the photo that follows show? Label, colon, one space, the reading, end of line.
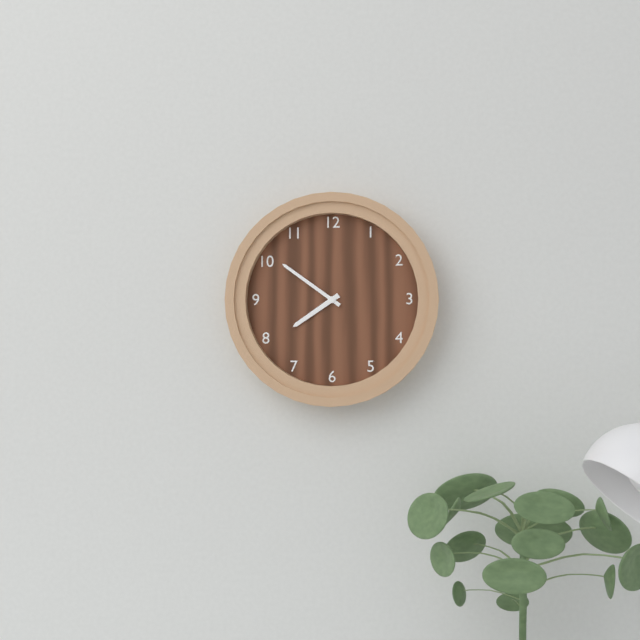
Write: 7:51
